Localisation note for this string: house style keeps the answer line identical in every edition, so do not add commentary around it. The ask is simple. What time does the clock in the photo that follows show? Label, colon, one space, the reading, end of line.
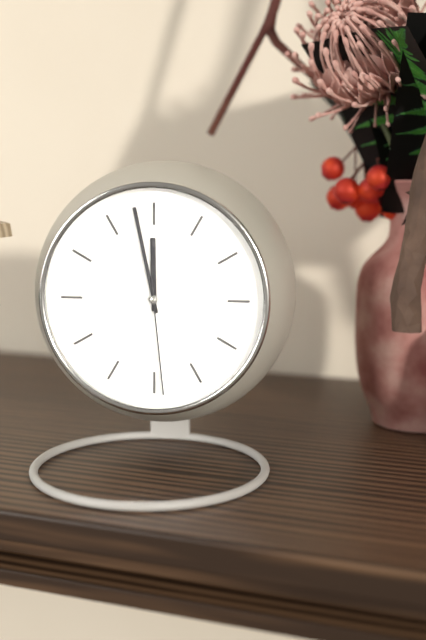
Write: 11:58:29
